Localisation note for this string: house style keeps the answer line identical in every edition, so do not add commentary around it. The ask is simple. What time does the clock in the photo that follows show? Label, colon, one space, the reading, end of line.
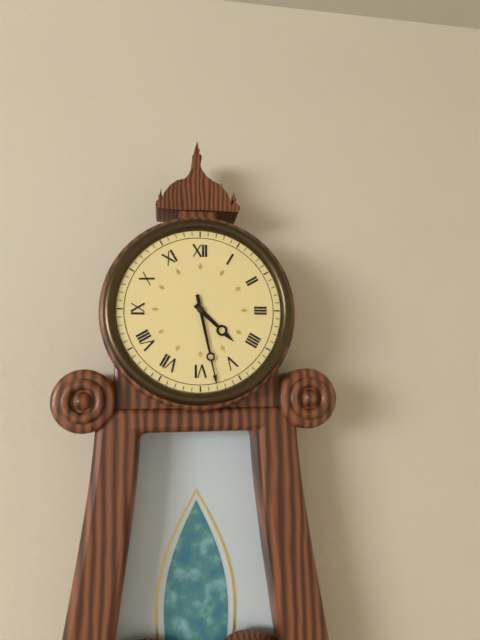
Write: 4:28
